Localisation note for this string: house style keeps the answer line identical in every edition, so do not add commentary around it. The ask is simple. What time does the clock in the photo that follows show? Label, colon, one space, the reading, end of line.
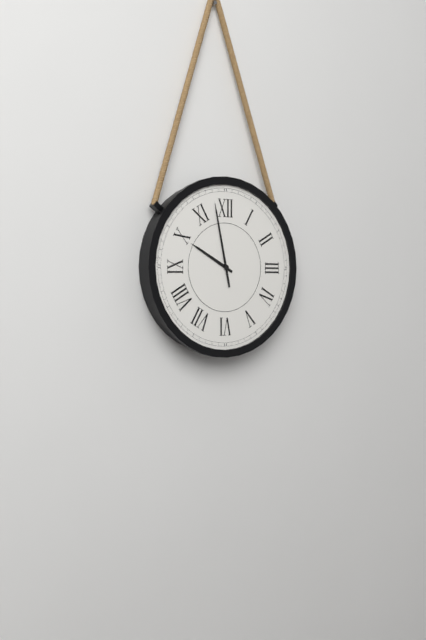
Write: 9:58
